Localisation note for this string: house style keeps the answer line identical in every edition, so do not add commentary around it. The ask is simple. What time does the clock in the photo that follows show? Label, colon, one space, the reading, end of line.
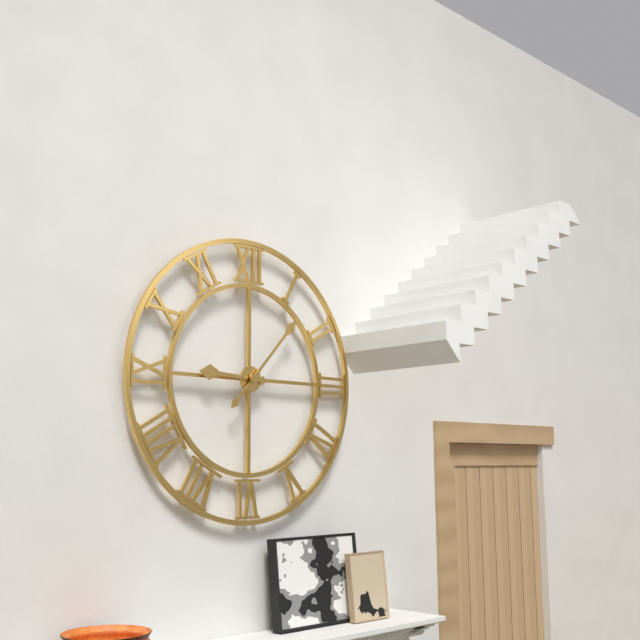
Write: 9:07
